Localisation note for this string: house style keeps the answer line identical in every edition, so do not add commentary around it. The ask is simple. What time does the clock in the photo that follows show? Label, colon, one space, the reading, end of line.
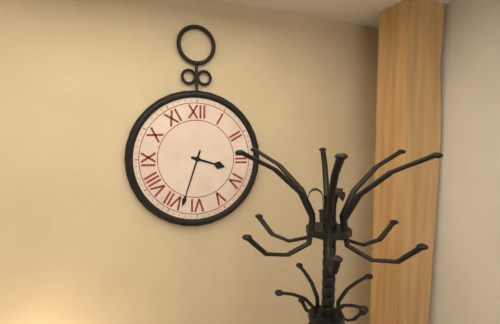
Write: 3:33
